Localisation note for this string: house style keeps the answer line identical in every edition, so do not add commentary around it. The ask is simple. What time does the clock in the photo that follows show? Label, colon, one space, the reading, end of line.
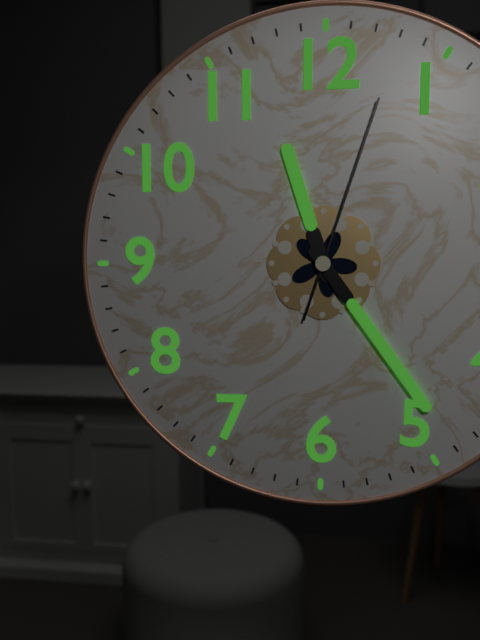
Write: 11:24:03
